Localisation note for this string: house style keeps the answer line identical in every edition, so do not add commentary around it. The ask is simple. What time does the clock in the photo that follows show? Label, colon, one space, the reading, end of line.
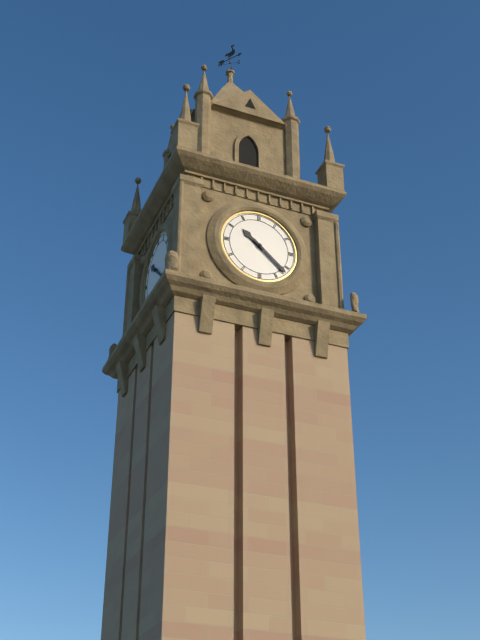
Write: 10:22
